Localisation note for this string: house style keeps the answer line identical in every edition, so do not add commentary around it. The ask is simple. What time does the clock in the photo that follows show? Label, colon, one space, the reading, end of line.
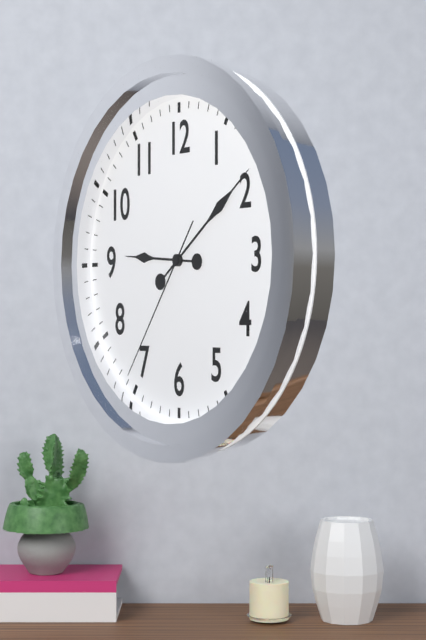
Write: 9:09:36
